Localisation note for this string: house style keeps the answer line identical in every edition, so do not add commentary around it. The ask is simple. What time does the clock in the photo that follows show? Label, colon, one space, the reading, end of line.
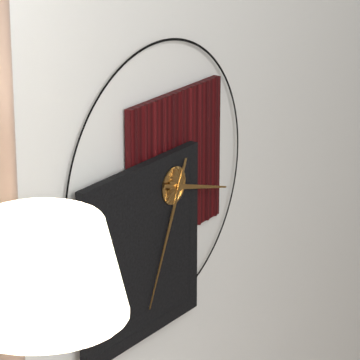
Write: 3:34
